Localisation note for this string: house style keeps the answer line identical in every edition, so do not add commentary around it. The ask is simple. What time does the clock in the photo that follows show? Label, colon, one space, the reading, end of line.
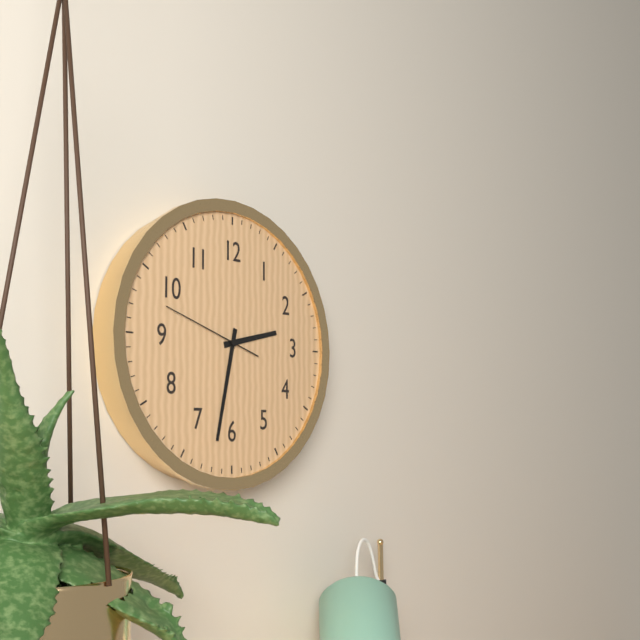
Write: 2:32:48
